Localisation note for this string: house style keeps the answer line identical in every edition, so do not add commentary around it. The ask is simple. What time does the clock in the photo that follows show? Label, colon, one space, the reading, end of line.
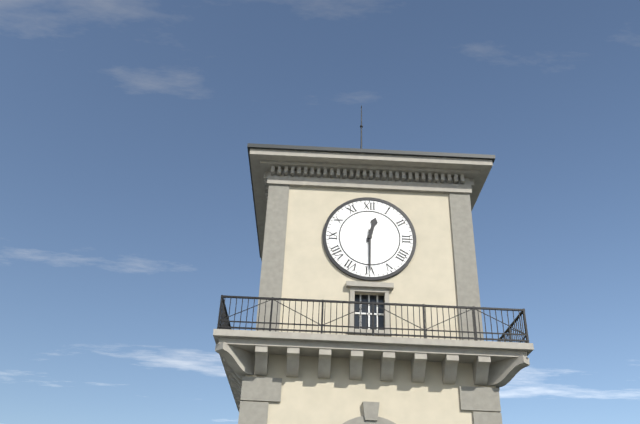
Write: 12:30
